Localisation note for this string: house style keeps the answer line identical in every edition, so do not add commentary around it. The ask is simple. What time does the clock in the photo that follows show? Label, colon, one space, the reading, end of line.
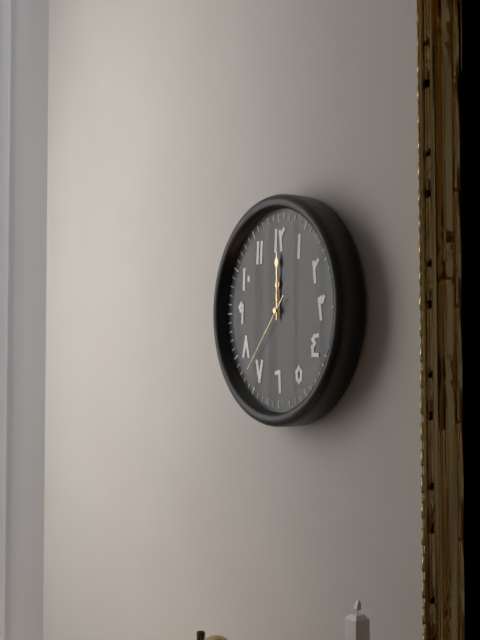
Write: 12:00:37
